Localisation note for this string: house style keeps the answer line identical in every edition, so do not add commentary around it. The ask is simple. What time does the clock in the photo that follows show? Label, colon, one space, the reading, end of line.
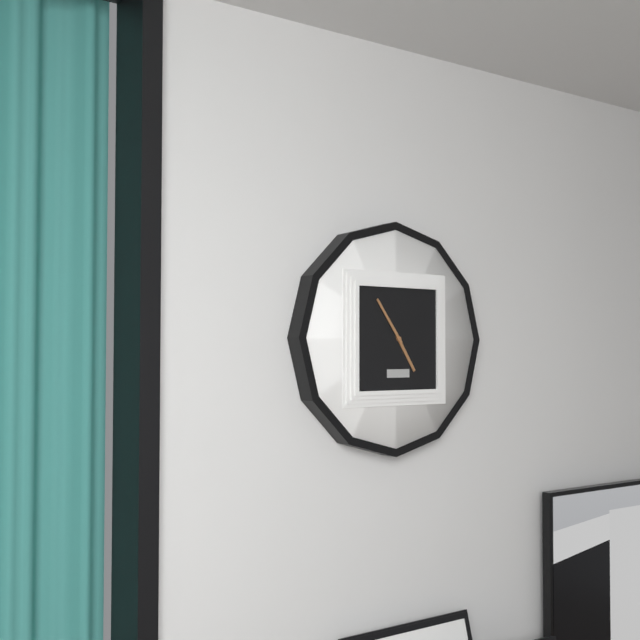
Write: 4:54
